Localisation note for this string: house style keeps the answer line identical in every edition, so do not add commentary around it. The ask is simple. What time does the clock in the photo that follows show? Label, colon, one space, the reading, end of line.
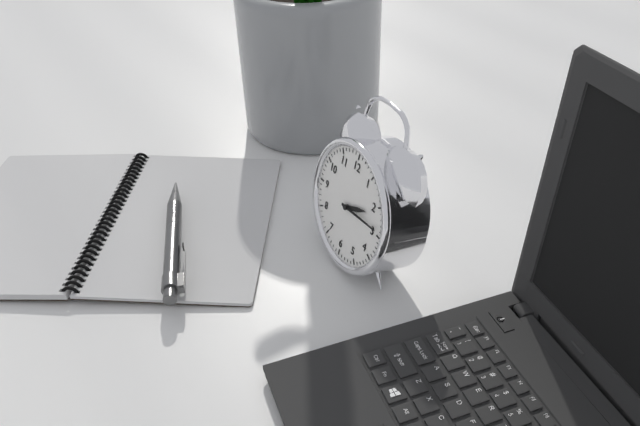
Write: 2:14
